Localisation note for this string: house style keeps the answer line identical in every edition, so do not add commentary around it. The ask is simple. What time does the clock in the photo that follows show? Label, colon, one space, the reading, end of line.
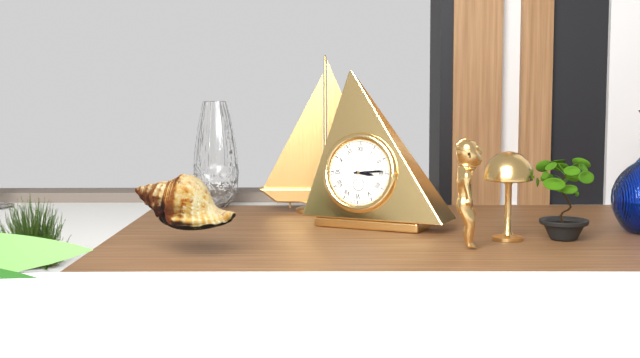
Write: 3:14
